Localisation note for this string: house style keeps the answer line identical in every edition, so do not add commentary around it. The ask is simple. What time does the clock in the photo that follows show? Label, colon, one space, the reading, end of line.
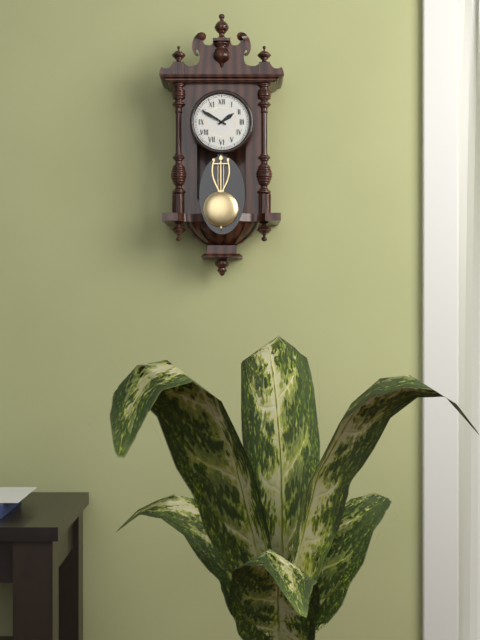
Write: 1:50
